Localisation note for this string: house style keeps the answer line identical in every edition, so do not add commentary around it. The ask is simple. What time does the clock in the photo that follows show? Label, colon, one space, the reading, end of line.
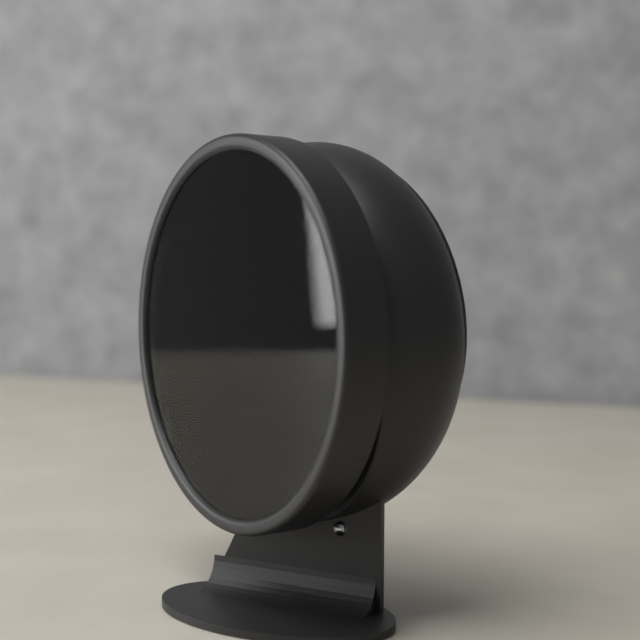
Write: 12:48:45
